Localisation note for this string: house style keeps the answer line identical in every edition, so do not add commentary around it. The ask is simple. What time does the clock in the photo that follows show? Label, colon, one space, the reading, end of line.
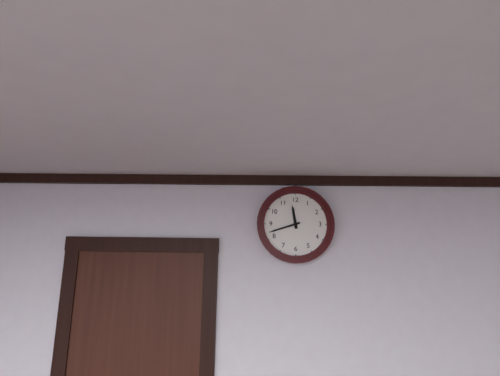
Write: 11:42
